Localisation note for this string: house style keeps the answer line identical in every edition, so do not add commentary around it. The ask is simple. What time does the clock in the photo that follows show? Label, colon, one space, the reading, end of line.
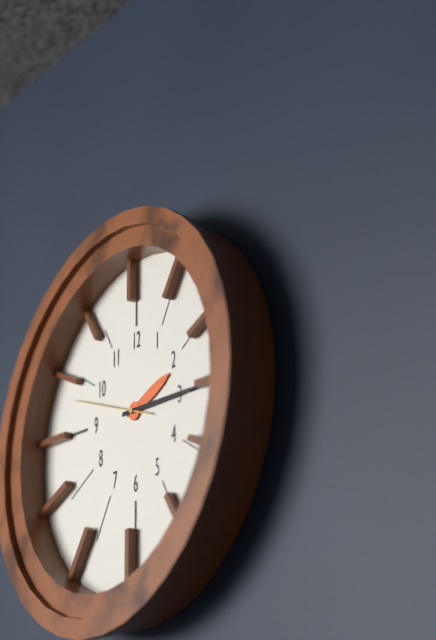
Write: 2:15:48
